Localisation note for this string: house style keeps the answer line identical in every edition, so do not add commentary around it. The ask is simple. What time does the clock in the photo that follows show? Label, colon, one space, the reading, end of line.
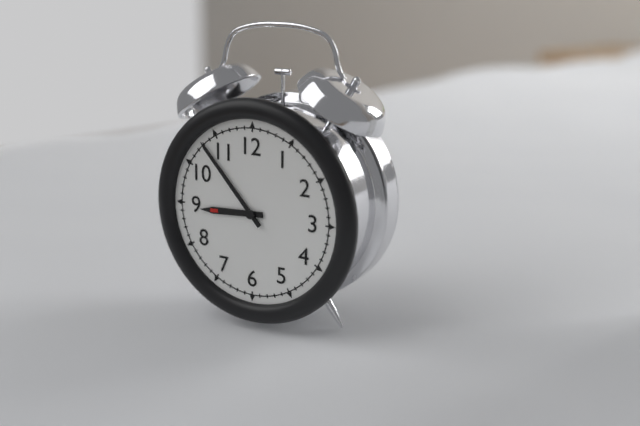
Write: 8:53
